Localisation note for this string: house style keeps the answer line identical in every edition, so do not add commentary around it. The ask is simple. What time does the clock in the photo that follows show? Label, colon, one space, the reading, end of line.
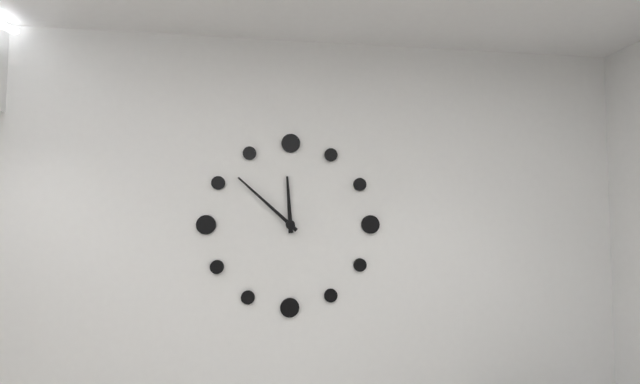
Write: 11:52
